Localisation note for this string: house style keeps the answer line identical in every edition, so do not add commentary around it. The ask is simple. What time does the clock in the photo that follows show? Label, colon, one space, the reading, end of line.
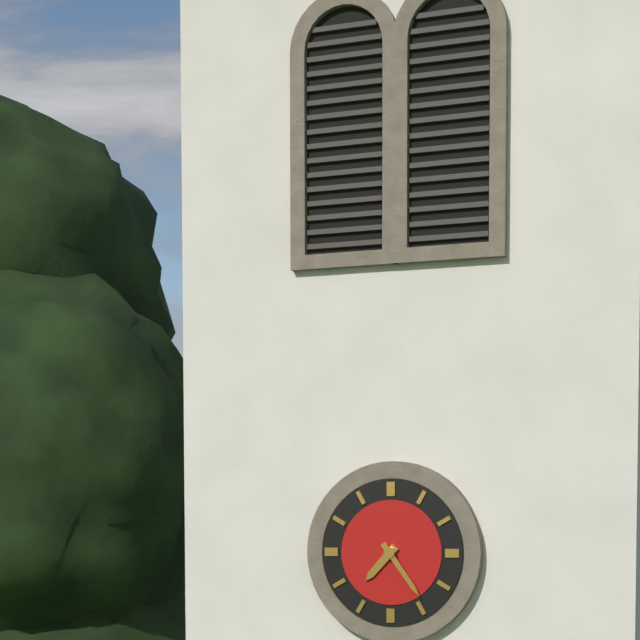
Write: 7:24
